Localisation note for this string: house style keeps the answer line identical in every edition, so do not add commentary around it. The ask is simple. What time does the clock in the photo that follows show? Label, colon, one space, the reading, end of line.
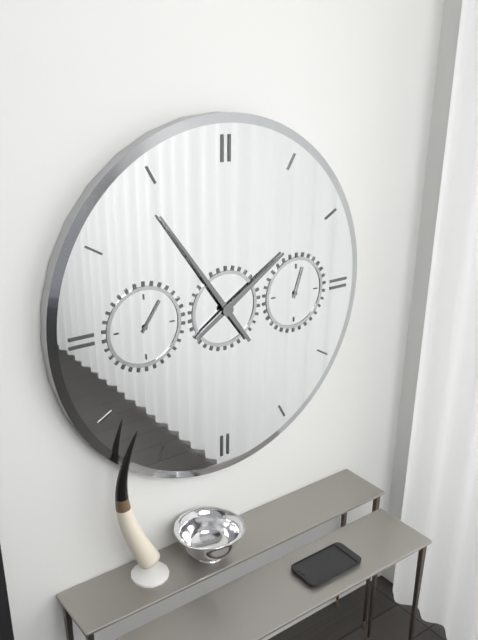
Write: 1:54
